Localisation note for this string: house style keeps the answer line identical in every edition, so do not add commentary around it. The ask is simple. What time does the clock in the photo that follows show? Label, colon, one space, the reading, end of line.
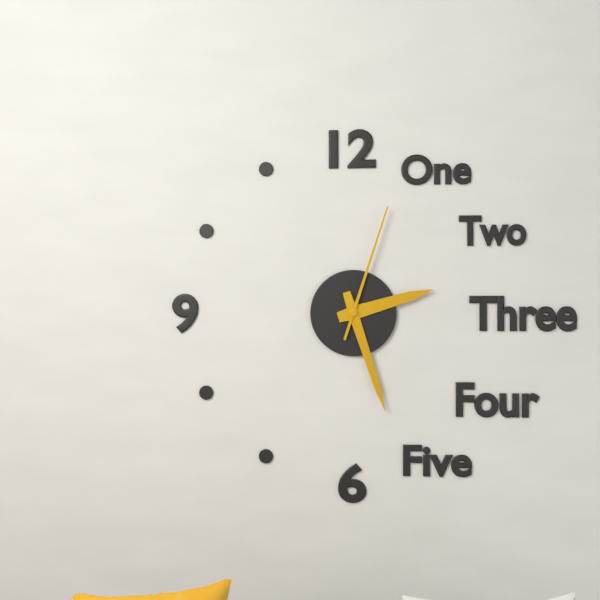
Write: 2:27:03
